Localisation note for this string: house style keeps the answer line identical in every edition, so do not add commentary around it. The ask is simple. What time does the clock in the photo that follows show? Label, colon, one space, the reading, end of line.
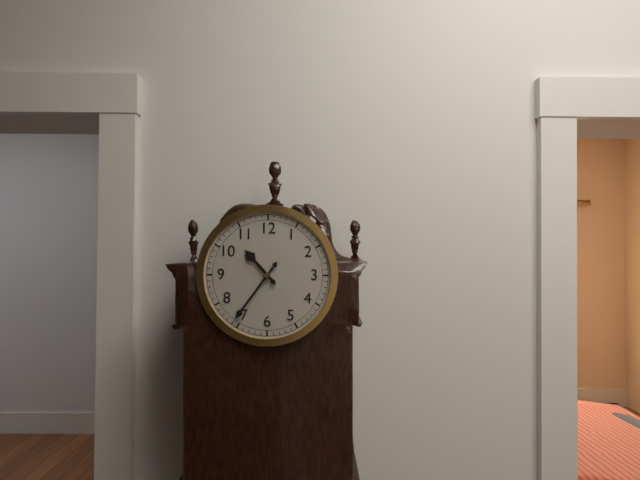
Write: 10:36
